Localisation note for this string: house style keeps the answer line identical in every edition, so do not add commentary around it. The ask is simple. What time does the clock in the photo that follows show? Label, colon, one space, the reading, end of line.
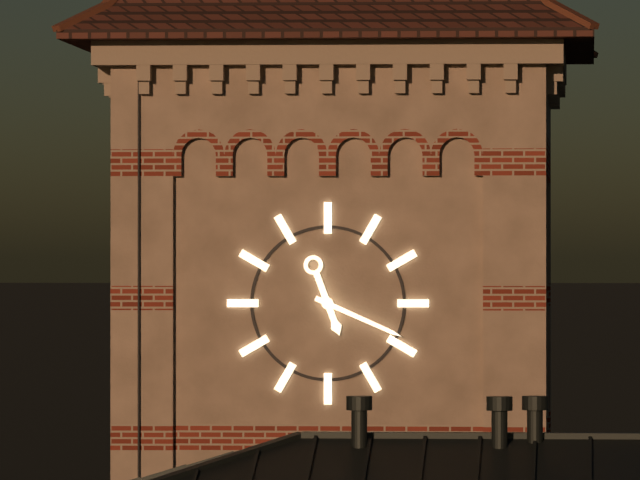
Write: 5:19
